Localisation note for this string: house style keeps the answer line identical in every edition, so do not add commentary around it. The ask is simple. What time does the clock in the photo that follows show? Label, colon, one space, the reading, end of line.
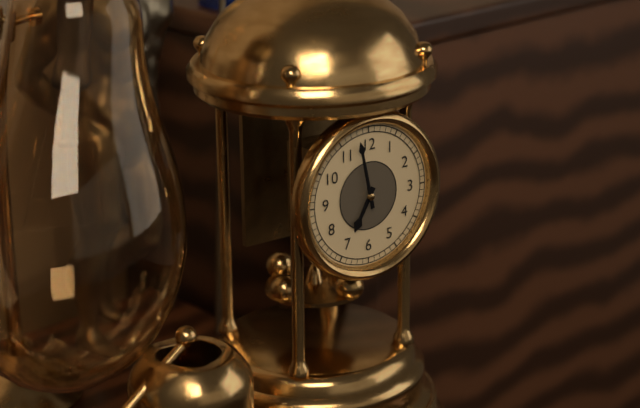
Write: 6:58
